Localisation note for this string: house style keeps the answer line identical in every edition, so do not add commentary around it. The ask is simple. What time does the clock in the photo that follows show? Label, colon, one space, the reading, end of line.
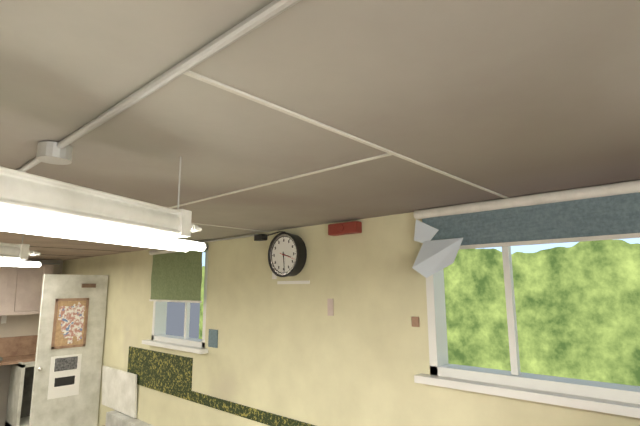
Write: 3:29
